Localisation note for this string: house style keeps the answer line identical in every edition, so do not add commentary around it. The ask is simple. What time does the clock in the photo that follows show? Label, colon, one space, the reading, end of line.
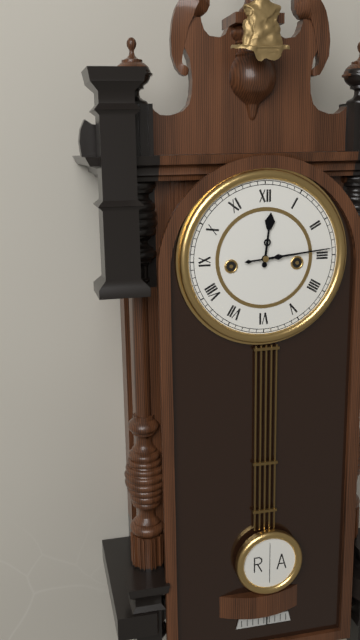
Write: 12:14
